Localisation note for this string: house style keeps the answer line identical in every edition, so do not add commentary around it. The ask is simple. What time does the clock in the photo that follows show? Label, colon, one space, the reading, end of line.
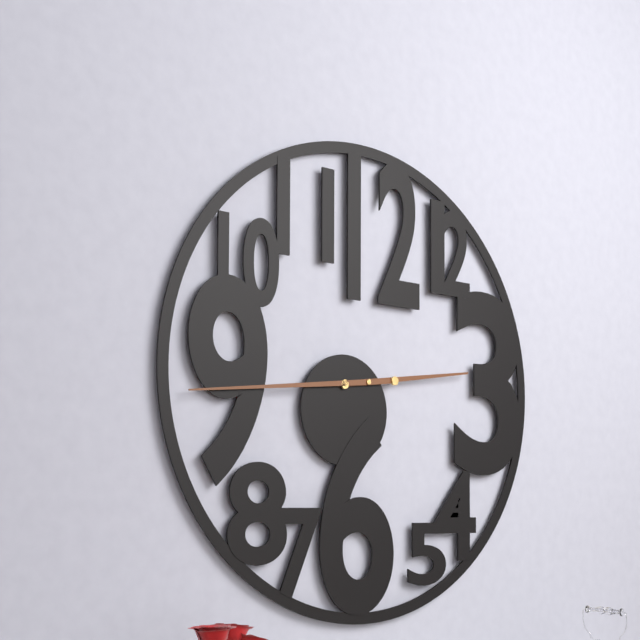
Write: 2:44
